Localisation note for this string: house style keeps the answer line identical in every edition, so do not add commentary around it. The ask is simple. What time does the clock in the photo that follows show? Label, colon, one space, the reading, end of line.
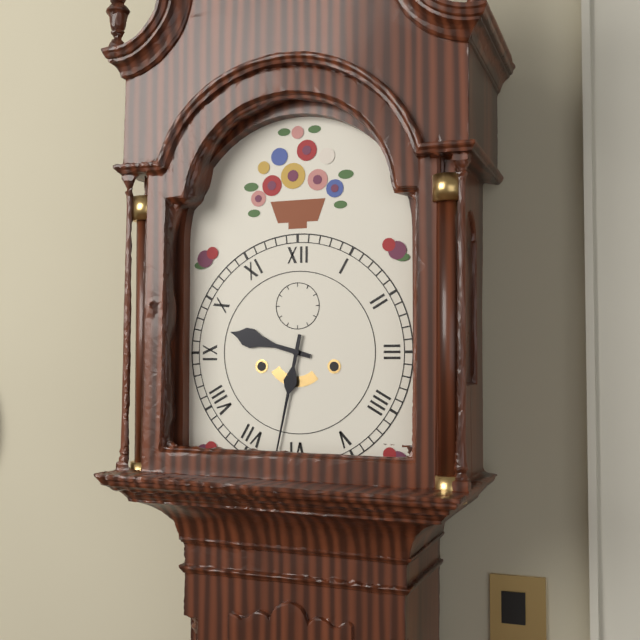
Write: 9:32
